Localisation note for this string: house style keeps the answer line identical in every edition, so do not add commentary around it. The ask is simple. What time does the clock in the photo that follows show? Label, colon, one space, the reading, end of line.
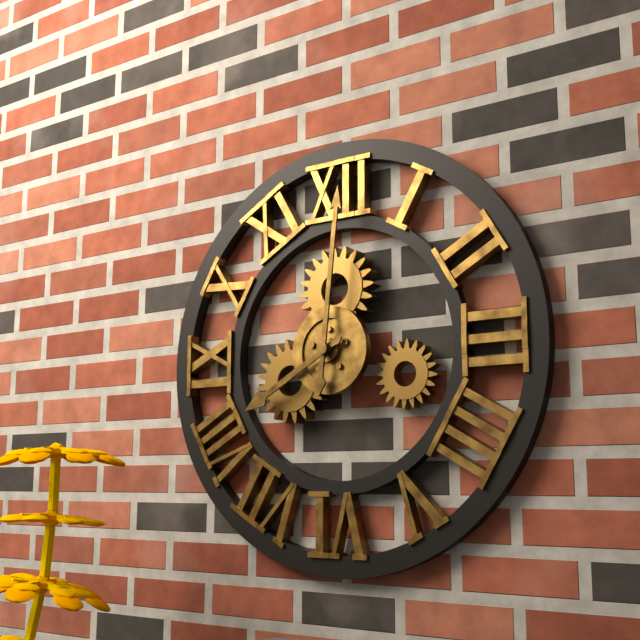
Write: 8:01
